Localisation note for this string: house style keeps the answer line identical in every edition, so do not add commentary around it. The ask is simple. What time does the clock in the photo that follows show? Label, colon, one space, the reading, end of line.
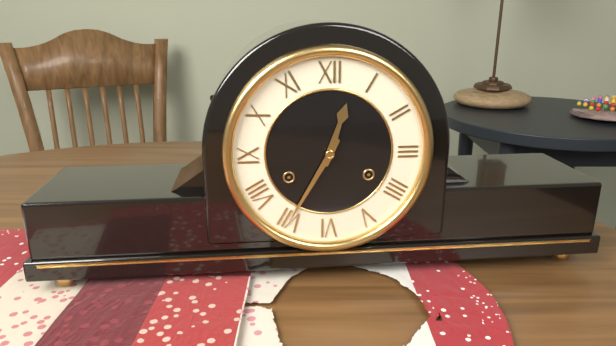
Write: 12:35
